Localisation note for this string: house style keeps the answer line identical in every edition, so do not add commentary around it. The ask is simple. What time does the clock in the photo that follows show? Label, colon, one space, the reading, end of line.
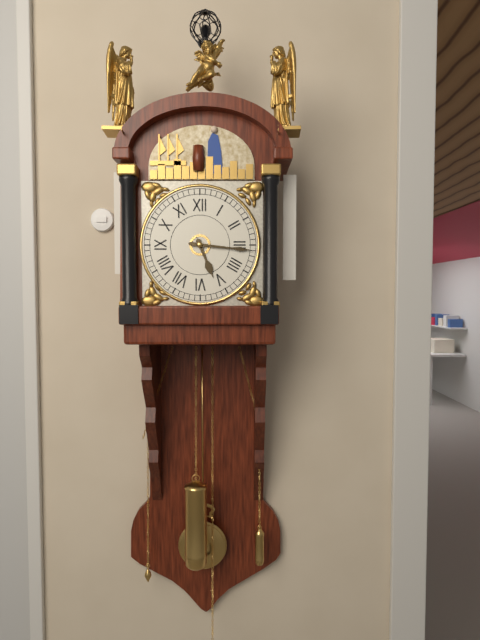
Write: 5:16
